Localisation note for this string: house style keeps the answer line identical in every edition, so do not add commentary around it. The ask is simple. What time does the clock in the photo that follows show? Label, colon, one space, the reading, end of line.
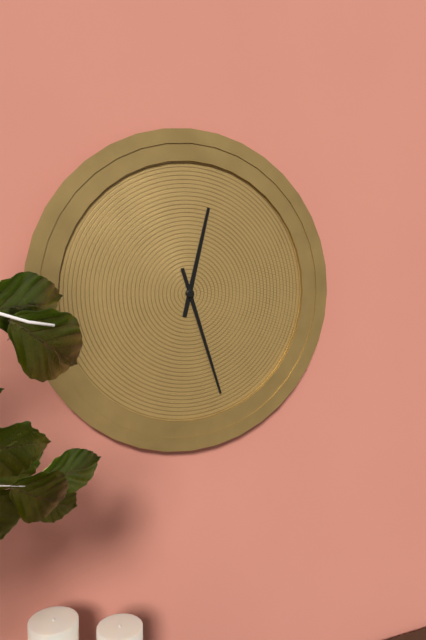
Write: 12:27
